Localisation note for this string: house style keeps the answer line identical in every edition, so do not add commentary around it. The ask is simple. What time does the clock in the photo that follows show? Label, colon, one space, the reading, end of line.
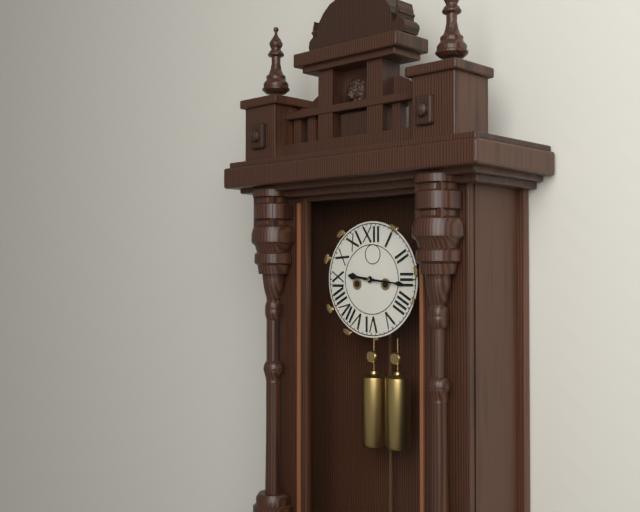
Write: 9:16
